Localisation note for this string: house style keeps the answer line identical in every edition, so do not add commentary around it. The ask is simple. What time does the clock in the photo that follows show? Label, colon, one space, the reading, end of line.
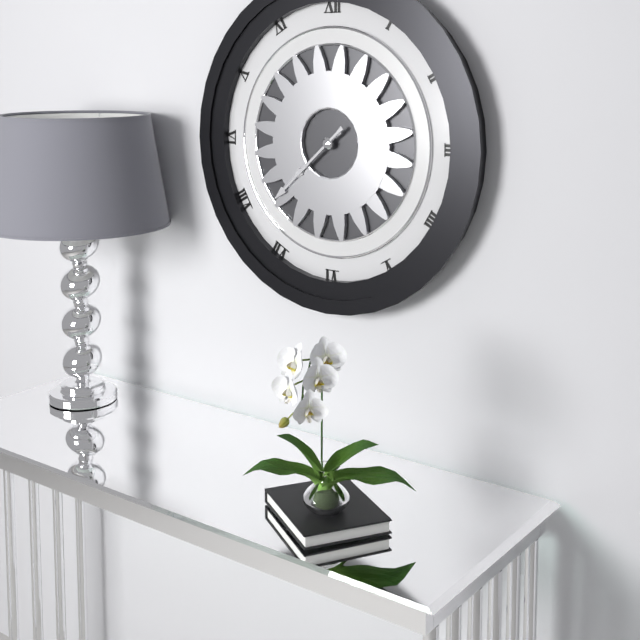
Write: 7:38
